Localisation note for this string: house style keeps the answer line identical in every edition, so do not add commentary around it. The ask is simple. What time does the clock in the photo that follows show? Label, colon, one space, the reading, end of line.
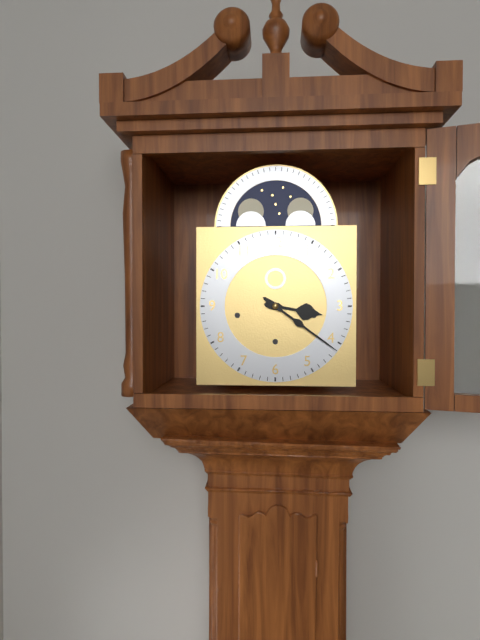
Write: 3:21
